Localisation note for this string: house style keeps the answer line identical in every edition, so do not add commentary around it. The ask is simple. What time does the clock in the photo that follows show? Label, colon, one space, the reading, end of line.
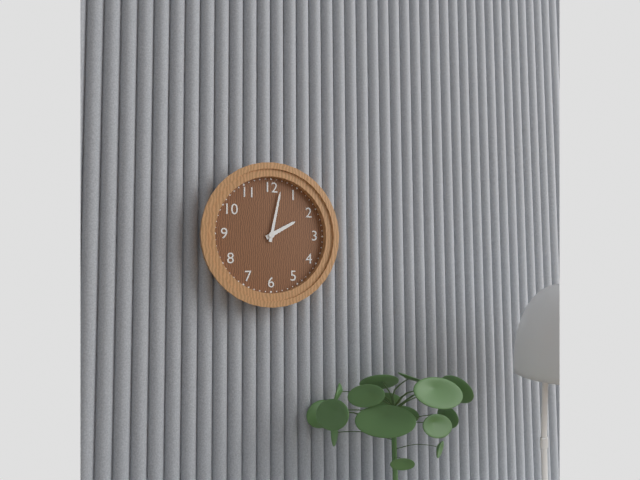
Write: 2:02
